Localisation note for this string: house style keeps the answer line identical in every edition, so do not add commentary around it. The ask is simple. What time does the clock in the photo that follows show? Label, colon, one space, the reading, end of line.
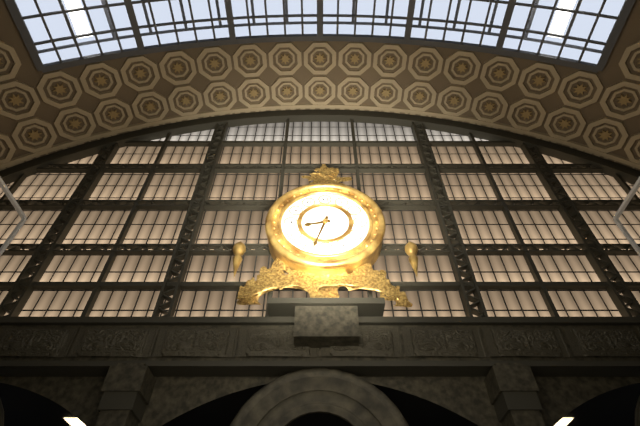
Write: 8:33
